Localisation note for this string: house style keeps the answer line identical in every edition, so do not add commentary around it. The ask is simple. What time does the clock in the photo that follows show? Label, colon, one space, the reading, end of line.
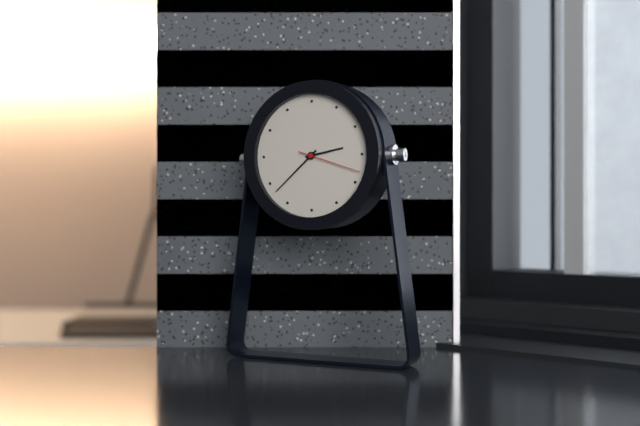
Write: 2:38:18
